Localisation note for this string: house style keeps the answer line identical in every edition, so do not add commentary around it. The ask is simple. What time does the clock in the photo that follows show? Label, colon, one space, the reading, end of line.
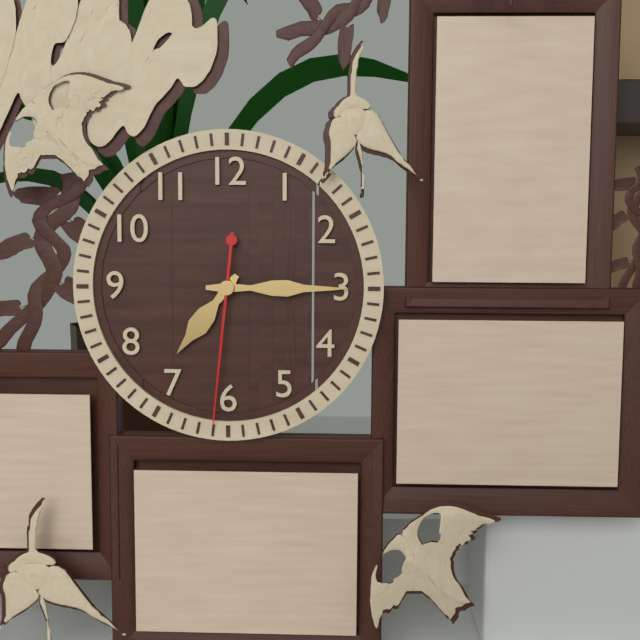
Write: 7:15:31
